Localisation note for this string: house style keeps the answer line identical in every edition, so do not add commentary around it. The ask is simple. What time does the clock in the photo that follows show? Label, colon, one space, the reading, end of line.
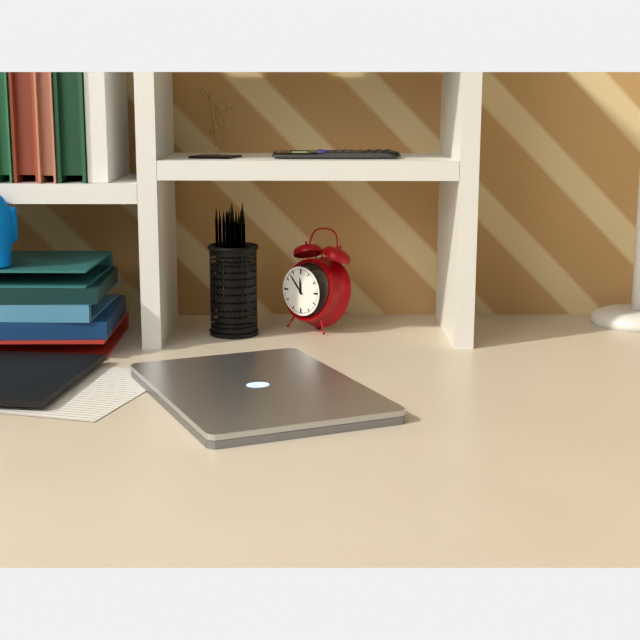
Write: 11:53
